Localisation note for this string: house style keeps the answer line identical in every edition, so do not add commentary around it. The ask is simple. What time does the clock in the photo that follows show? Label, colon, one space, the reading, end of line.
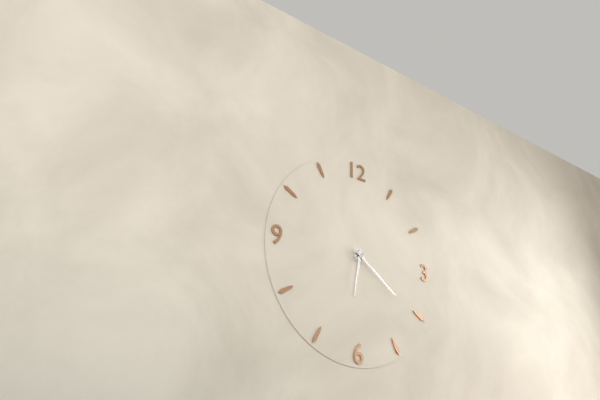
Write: 6:21
